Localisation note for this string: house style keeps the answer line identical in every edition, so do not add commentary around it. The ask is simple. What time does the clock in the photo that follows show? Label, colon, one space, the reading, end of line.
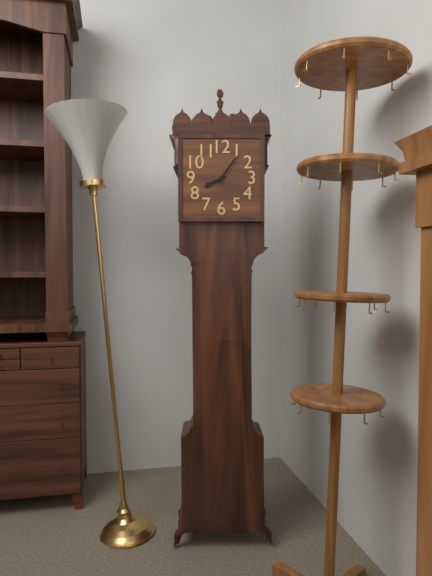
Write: 8:06
